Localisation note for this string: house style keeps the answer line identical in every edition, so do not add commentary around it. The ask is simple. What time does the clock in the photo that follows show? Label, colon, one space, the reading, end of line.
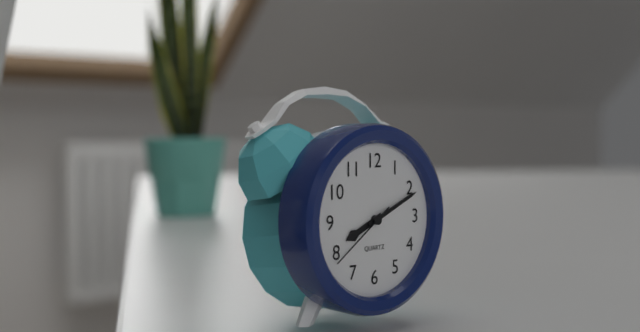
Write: 8:11:39
